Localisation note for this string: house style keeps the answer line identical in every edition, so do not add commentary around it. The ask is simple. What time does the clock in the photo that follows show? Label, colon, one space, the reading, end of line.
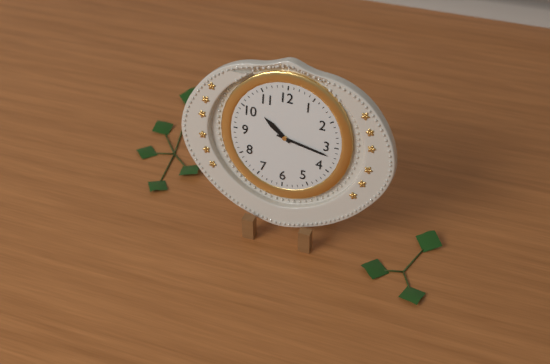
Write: 10:17
